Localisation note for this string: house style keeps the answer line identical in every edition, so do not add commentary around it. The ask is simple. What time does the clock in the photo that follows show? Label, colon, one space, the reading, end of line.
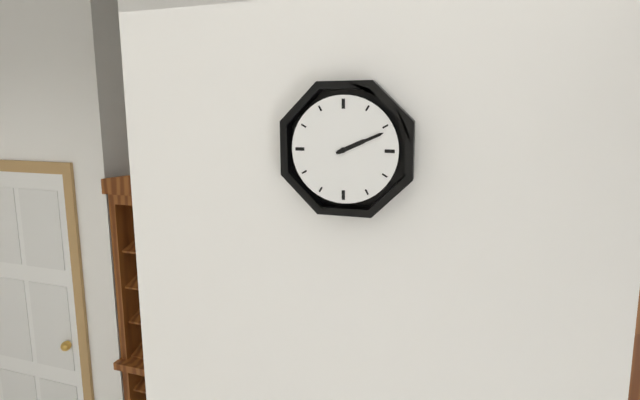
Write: 2:11
